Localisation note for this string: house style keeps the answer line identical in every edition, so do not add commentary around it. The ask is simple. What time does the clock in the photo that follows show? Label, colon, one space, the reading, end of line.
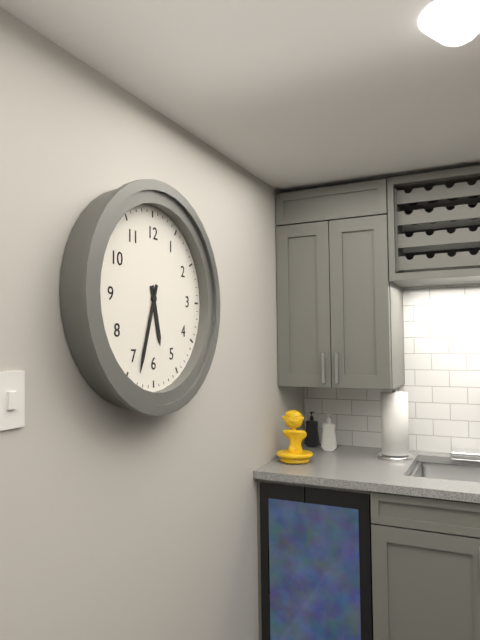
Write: 5:33
